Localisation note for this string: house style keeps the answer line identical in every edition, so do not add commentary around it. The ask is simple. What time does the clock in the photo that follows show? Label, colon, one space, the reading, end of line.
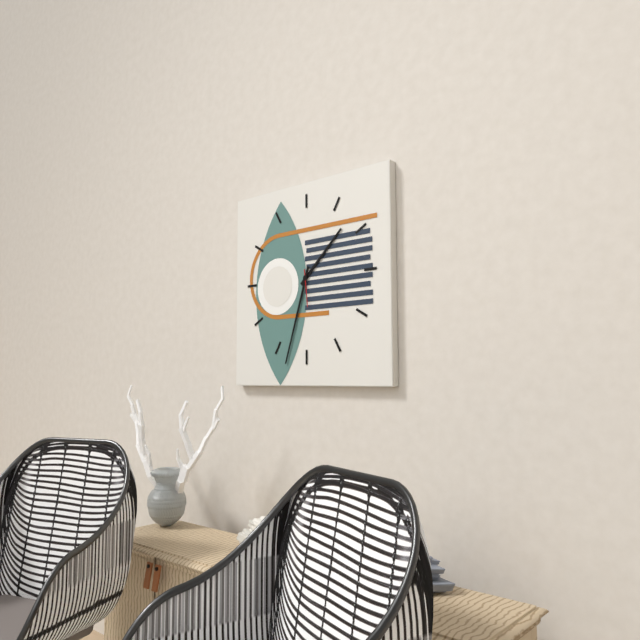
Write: 1:33
